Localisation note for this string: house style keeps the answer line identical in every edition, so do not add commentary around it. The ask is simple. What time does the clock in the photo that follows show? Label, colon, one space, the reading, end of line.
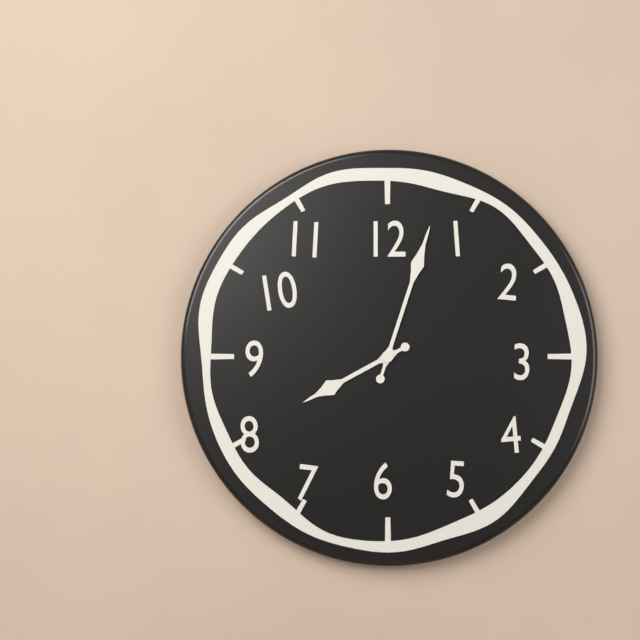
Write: 8:03
